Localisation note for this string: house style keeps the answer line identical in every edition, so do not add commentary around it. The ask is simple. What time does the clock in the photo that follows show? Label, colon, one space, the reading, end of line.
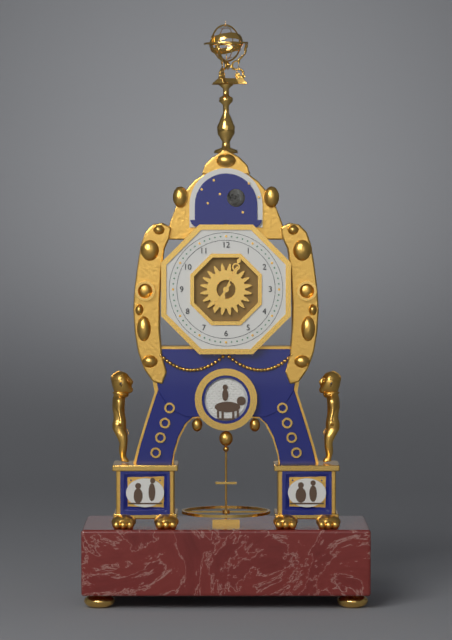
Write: 7:04
